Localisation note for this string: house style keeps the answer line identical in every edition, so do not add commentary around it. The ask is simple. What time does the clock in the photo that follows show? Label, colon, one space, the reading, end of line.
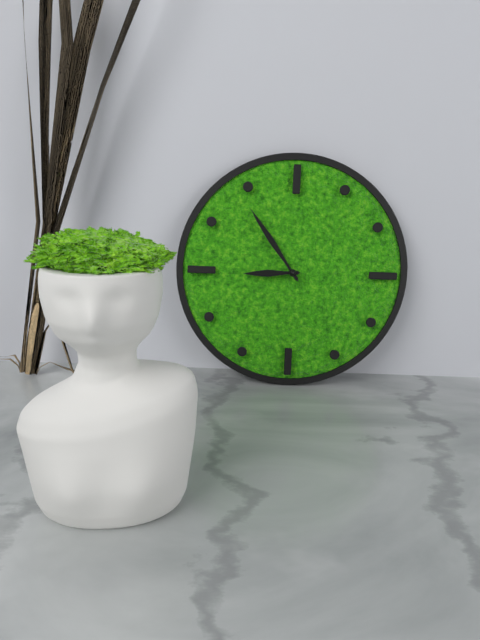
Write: 8:54
